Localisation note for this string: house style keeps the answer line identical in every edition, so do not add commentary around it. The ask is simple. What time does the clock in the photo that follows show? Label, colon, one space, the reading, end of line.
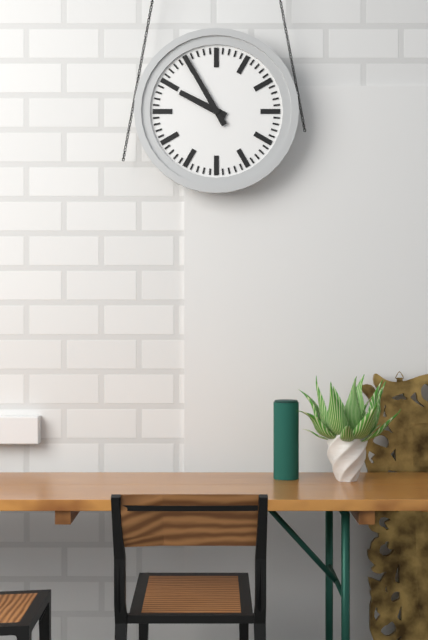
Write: 9:55
